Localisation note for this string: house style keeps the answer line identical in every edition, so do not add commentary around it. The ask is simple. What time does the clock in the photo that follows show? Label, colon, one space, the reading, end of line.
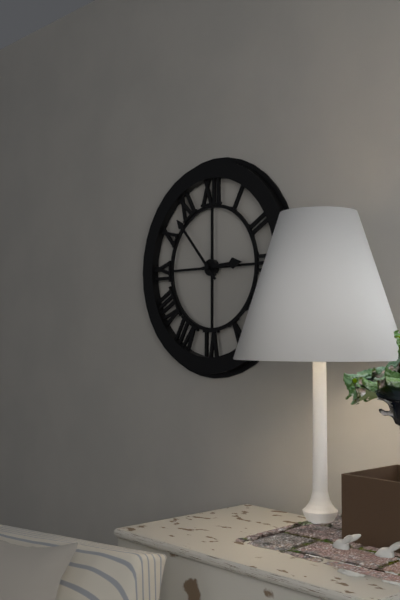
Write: 2:53
